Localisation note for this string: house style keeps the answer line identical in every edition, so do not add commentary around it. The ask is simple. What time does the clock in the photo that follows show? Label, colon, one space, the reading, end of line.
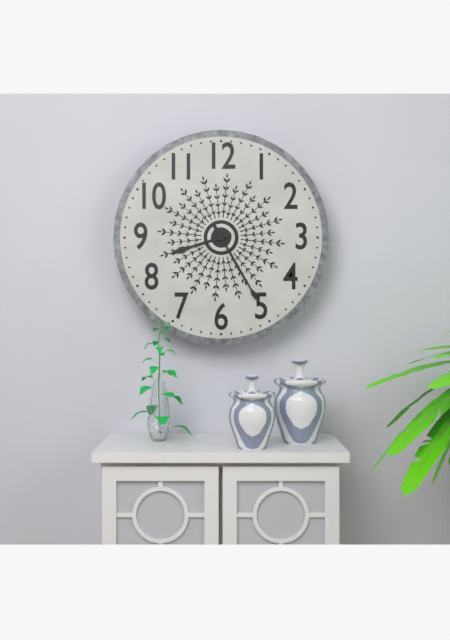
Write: 8:25
